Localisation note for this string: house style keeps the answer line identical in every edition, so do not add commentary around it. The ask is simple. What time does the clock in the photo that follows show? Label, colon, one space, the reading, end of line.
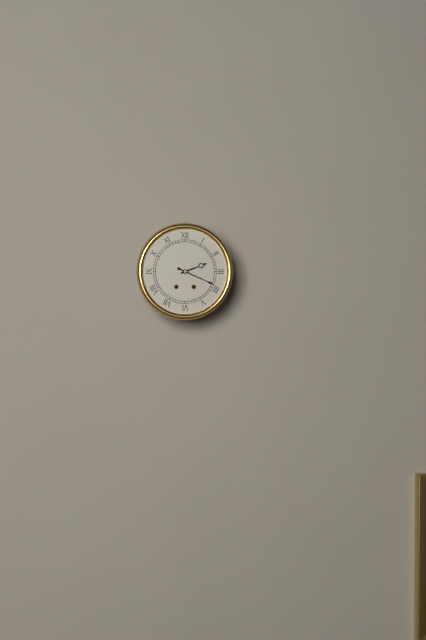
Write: 2:19
